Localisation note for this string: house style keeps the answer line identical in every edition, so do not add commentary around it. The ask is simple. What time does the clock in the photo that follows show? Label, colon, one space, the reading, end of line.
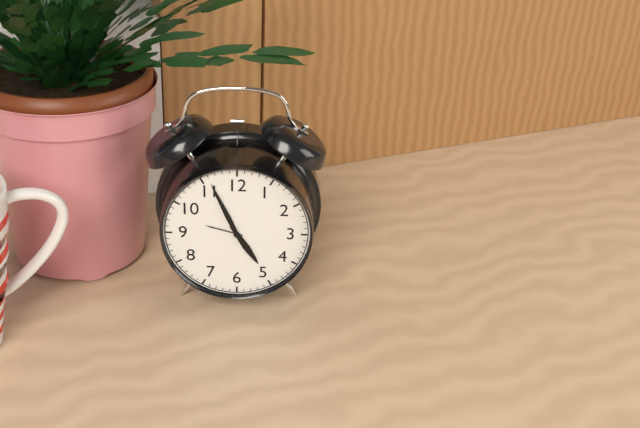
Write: 4:56
